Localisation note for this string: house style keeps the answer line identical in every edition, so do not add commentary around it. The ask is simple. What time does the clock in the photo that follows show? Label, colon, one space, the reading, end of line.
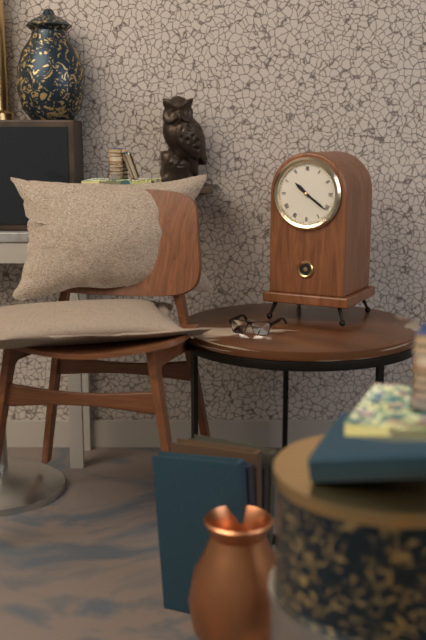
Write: 10:21
